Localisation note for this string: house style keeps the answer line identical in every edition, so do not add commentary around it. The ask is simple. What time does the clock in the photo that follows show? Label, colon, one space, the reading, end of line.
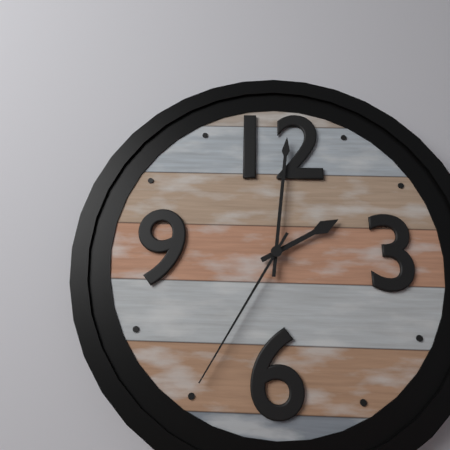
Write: 2:01:35
